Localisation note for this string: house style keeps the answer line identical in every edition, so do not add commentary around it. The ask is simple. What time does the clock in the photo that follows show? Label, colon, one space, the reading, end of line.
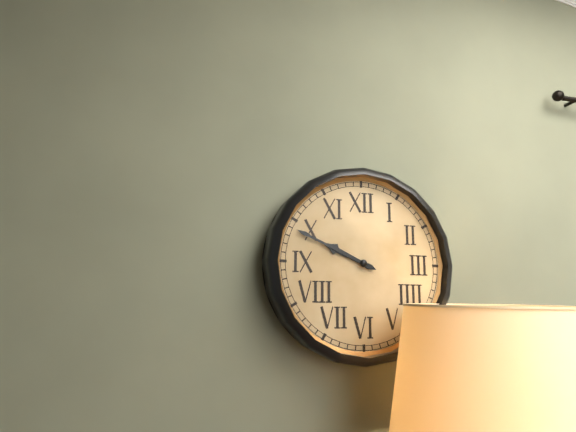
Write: 9:49
